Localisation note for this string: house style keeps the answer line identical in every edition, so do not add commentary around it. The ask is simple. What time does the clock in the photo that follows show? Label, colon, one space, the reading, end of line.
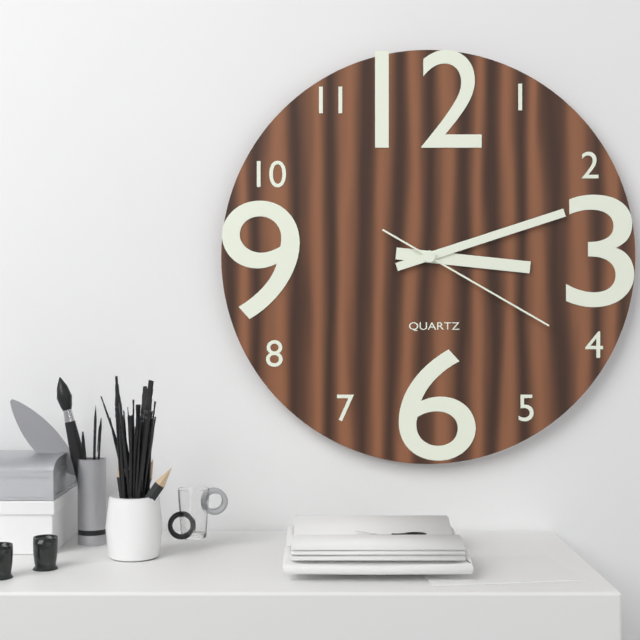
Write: 3:12:20
